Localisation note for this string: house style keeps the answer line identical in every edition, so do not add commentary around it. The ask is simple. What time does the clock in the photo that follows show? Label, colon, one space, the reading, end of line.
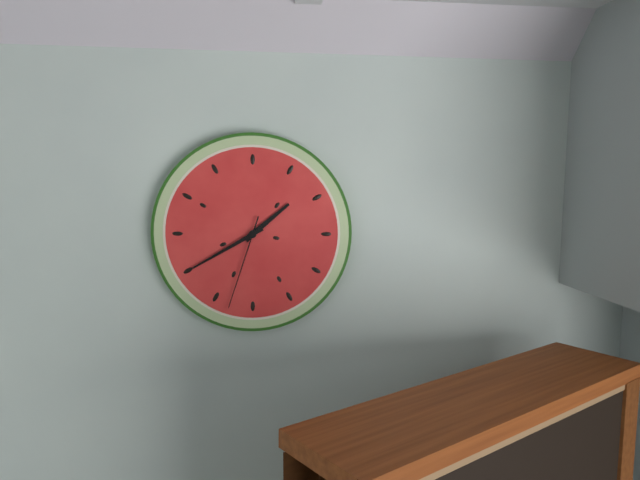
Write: 1:40:33
